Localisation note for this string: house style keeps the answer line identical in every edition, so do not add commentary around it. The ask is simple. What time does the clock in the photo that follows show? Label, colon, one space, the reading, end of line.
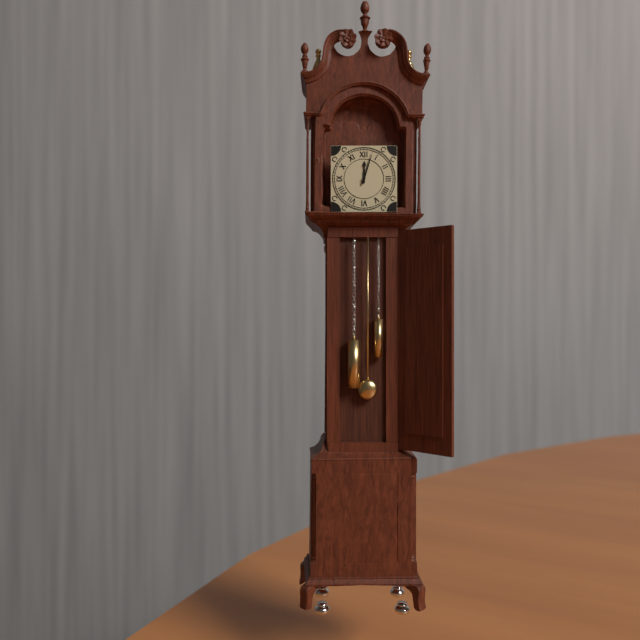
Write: 12:03
